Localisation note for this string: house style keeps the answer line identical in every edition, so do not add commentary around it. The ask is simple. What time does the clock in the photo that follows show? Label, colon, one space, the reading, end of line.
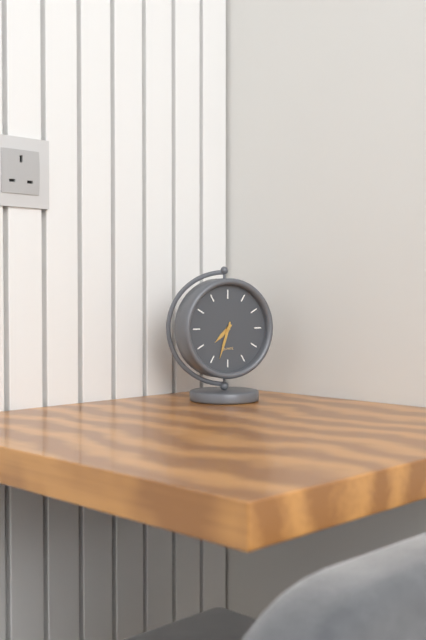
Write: 7:33
